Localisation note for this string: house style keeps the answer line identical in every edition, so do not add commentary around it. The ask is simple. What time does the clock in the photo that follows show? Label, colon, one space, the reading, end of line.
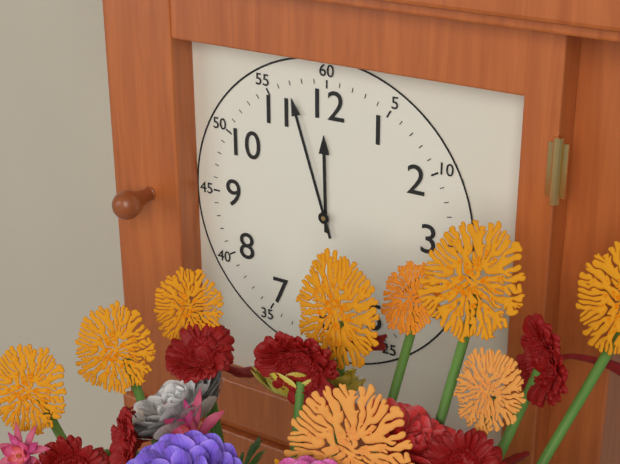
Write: 11:57
